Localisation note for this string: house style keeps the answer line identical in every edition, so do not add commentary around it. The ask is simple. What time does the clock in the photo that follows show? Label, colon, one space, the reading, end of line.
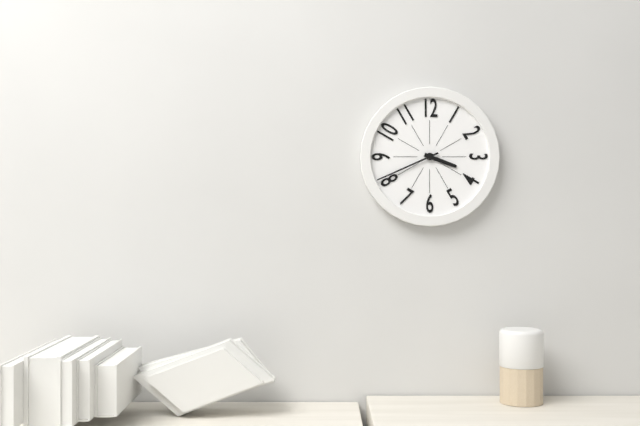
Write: 3:41
